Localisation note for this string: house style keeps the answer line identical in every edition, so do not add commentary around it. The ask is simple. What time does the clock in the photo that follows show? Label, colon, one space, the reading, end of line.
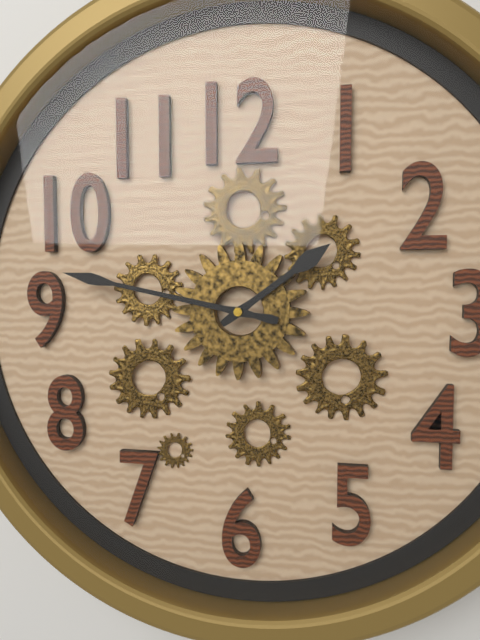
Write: 1:47
